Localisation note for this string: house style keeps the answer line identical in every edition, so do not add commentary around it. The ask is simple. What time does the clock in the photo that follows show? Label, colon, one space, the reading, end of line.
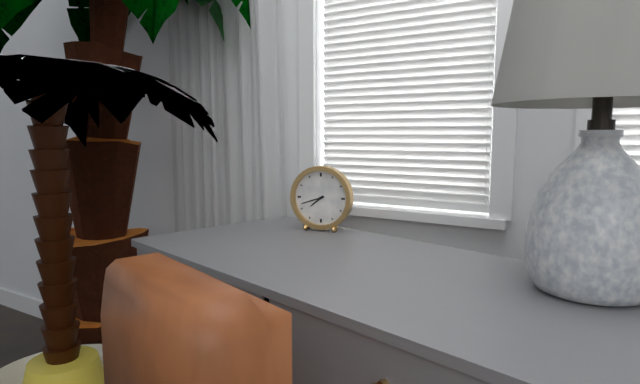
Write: 7:42
